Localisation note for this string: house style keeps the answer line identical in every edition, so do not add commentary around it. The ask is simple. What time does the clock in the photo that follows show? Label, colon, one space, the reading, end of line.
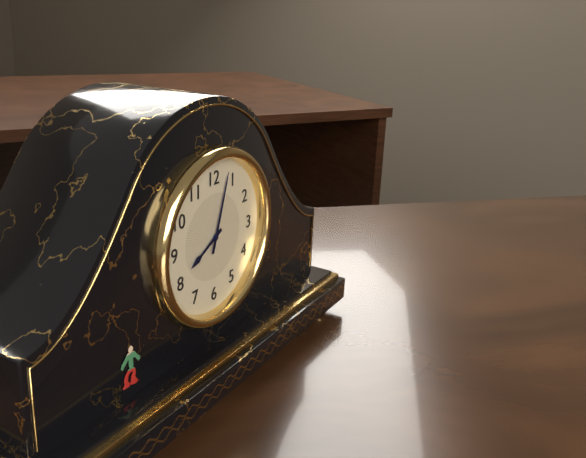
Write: 8:03
